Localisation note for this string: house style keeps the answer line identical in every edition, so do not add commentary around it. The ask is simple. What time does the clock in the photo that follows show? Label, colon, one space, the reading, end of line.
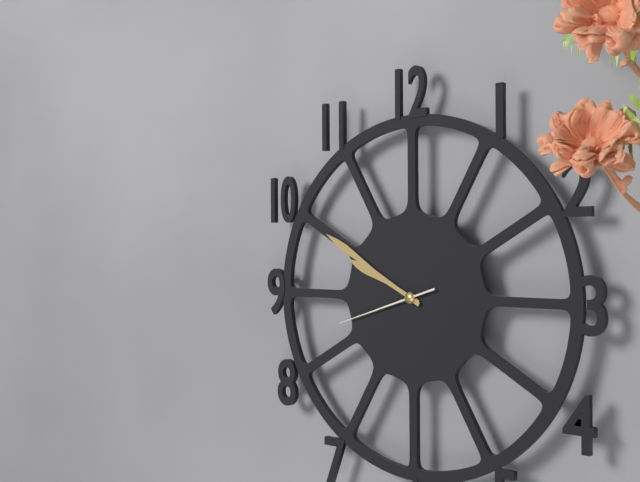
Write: 9:50:42
